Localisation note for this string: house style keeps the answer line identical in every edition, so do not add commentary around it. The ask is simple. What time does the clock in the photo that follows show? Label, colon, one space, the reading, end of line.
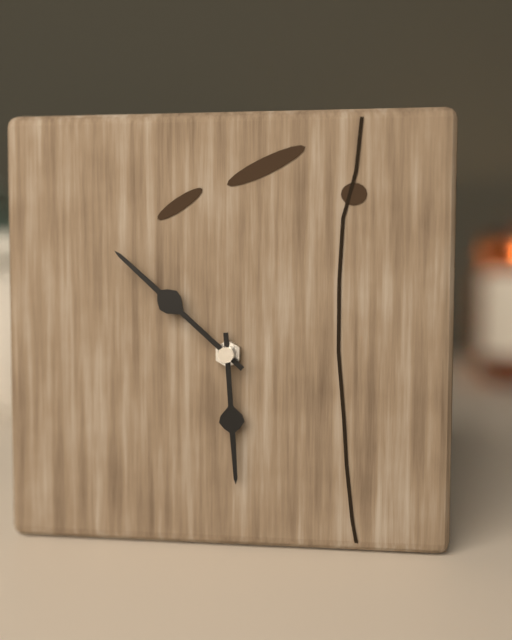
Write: 5:52
